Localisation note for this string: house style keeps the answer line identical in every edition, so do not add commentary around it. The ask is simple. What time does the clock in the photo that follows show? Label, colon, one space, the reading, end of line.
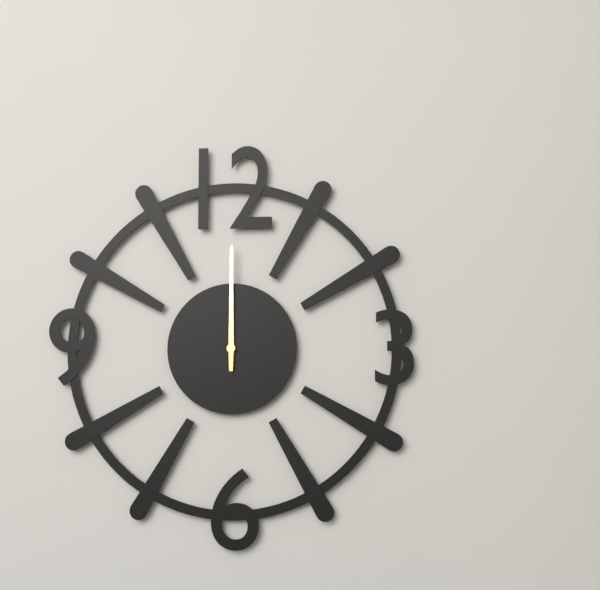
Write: 12:00
